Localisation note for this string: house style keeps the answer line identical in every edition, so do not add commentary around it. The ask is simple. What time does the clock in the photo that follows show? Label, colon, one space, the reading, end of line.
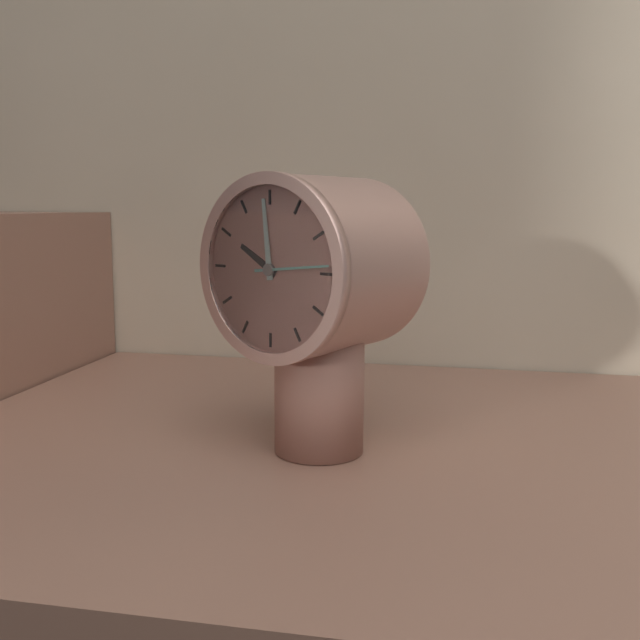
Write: 9:59:14
